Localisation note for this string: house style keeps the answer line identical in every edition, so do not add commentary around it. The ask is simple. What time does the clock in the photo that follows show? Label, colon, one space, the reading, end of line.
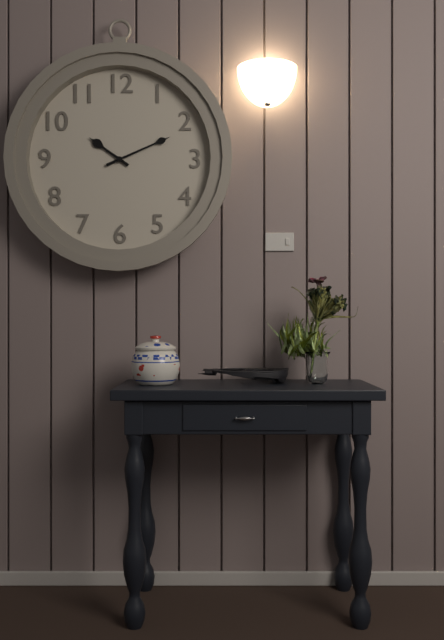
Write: 10:11
